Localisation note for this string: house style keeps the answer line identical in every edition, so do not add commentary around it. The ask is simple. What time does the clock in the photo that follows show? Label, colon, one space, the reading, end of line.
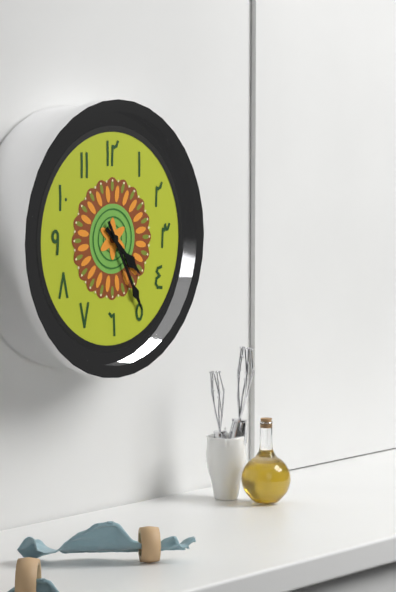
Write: 4:25
